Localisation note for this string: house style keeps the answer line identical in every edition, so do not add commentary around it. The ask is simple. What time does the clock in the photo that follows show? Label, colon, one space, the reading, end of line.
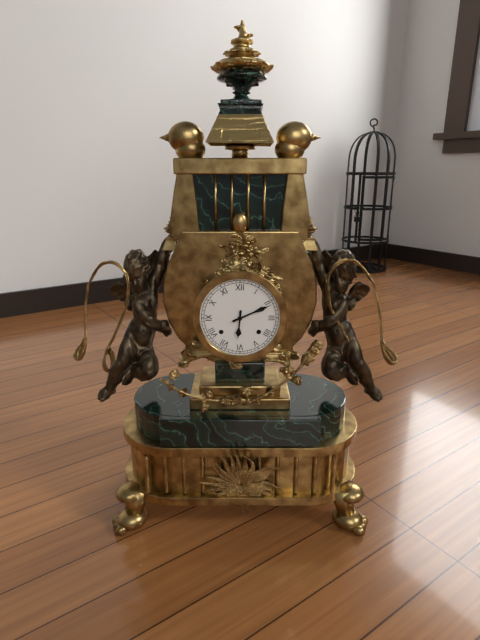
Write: 6:11
